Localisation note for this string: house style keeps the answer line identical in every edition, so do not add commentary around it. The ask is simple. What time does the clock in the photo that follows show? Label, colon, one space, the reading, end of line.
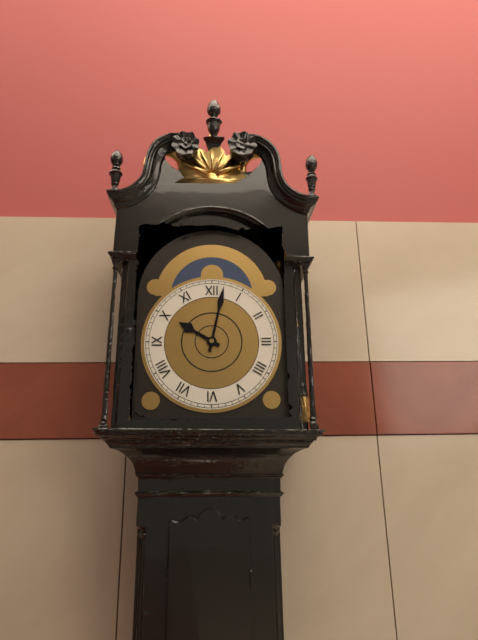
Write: 10:02
